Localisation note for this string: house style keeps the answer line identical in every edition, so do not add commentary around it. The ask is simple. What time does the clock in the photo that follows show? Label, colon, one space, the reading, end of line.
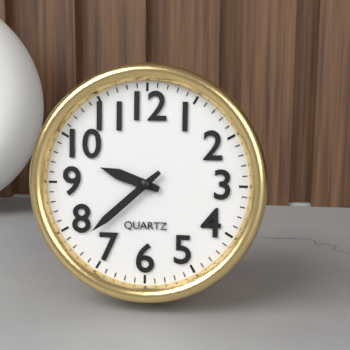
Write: 9:38
